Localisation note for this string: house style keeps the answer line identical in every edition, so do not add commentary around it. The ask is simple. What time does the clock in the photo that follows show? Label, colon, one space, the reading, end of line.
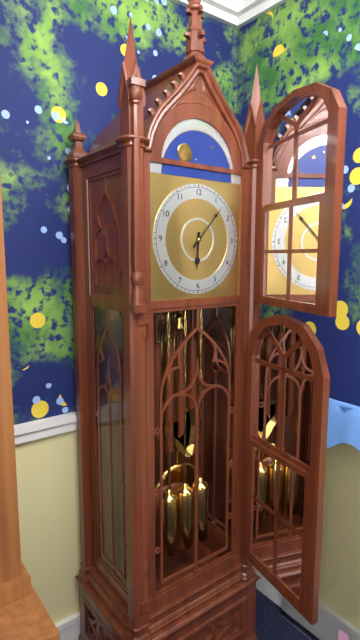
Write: 6:07
